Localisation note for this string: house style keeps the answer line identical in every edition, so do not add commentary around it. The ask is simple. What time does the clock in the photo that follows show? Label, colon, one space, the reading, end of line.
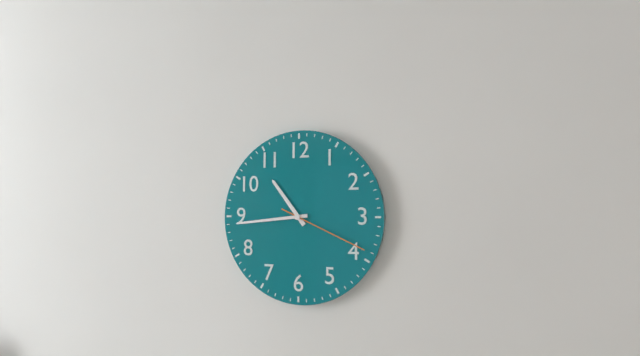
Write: 10:44:19
